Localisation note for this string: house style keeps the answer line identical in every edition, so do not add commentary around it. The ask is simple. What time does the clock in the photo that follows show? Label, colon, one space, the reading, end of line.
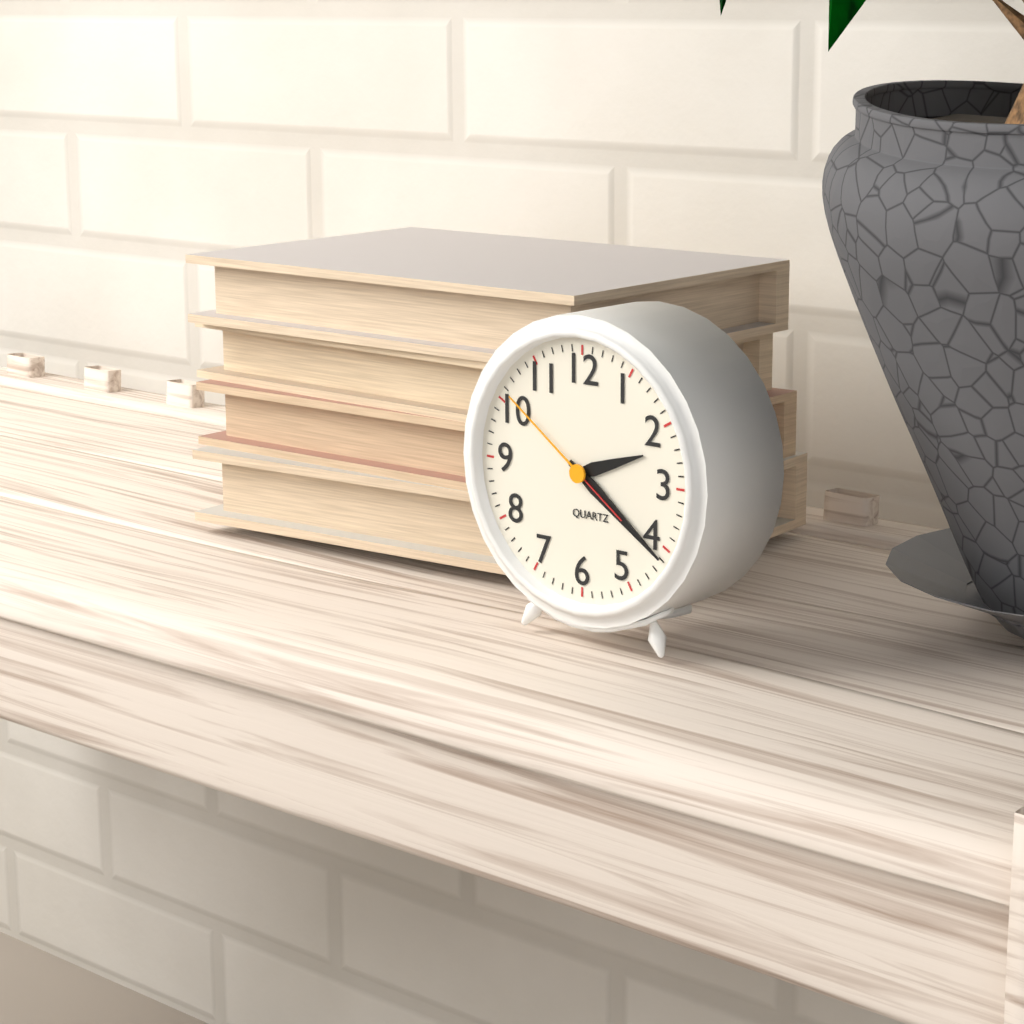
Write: 2:21:51
